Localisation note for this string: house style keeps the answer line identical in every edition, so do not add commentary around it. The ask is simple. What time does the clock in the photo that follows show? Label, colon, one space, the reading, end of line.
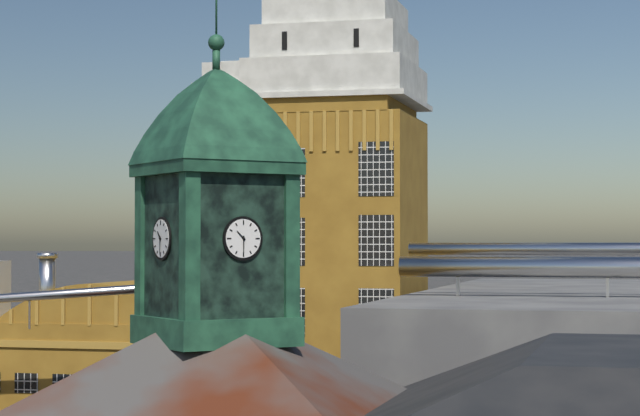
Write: 10:30
